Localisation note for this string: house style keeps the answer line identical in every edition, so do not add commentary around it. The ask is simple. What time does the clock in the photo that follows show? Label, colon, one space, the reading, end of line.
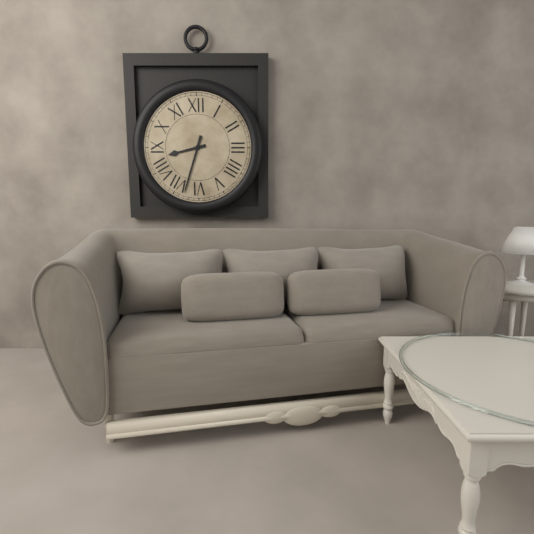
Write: 8:33
